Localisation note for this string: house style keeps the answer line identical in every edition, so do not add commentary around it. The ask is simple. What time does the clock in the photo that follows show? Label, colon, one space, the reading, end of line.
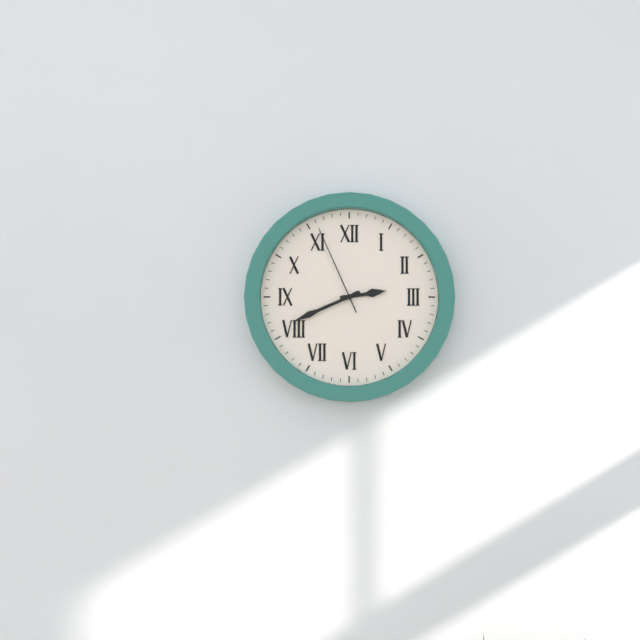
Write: 2:41:56
